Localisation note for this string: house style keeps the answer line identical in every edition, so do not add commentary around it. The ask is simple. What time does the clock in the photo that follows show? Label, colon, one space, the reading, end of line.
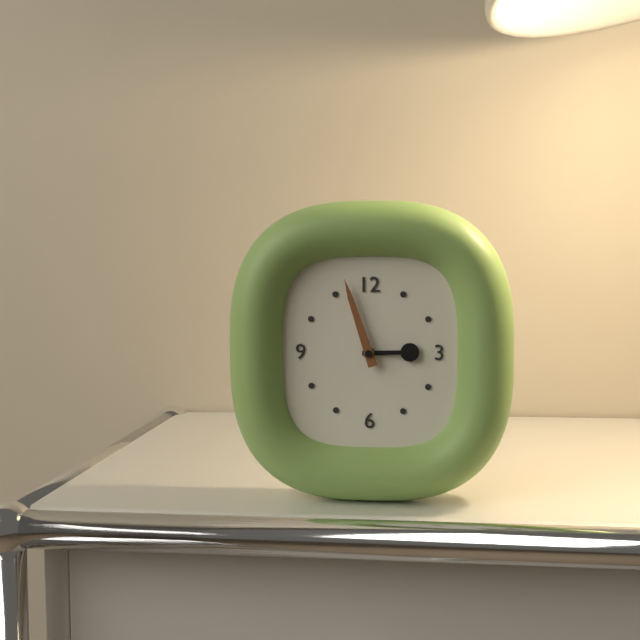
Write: 2:57
